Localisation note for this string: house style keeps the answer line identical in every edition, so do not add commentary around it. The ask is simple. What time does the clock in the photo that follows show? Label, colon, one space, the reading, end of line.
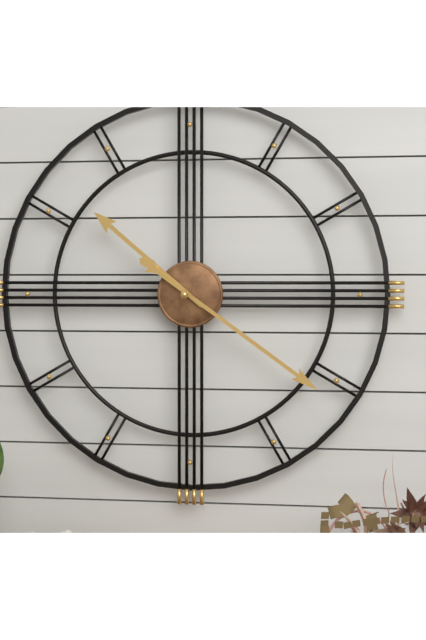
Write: 10:21
